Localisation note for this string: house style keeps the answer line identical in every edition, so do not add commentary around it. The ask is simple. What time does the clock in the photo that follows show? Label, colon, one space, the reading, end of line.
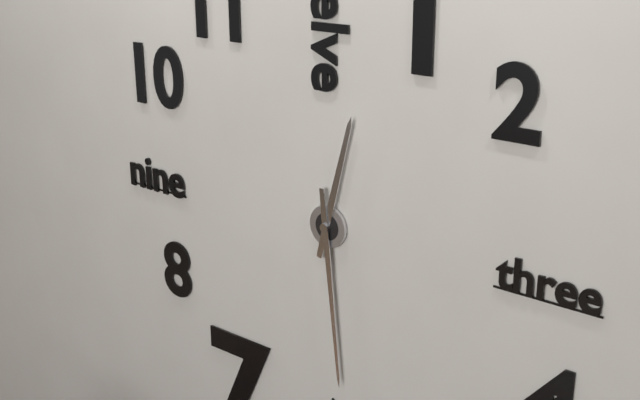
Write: 12:29
